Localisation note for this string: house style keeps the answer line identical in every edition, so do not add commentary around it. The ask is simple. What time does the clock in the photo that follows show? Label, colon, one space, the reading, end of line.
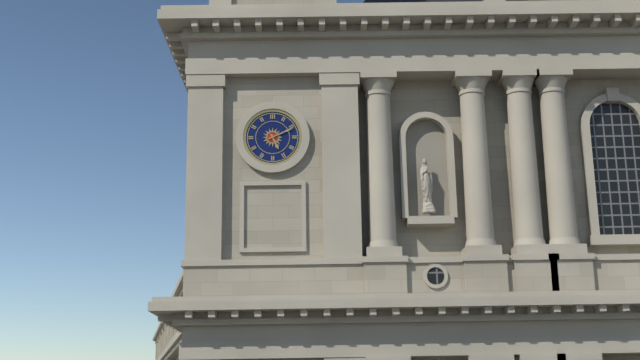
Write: 5:11
